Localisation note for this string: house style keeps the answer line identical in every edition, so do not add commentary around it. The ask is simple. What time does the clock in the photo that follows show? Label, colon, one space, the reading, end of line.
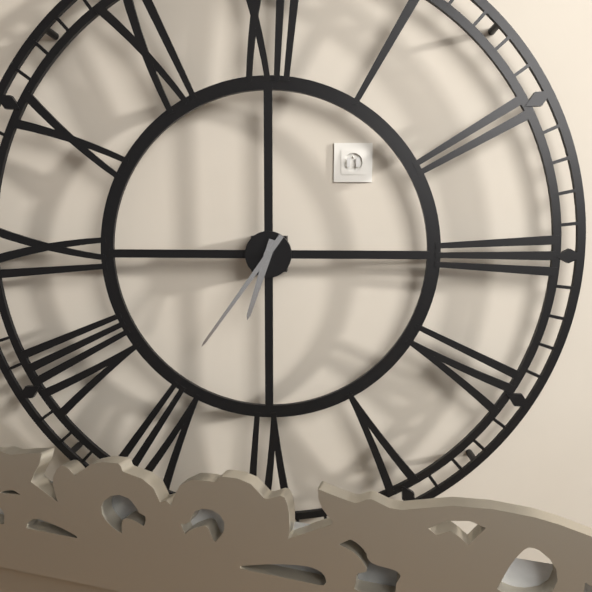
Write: 6:36
